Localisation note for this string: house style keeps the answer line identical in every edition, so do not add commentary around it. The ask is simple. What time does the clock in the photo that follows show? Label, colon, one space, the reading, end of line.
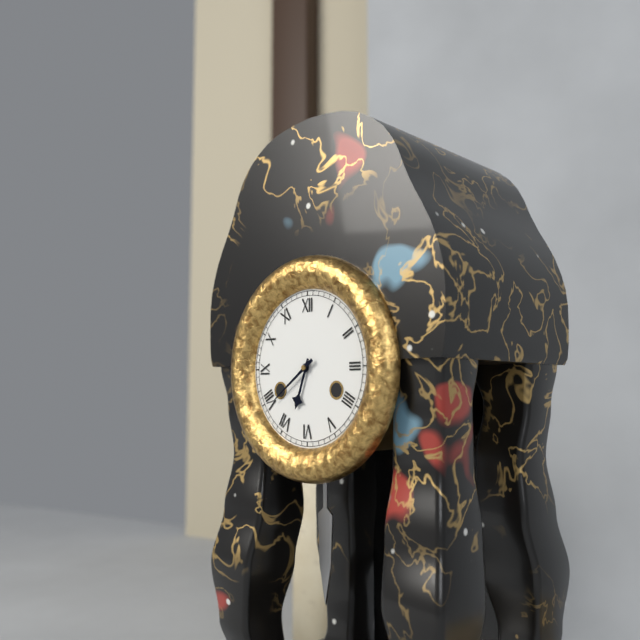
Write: 6:39
